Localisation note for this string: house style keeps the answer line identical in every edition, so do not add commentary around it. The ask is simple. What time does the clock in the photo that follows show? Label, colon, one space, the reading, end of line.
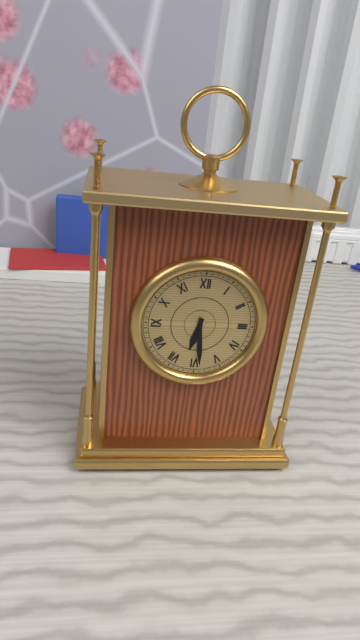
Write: 6:29
